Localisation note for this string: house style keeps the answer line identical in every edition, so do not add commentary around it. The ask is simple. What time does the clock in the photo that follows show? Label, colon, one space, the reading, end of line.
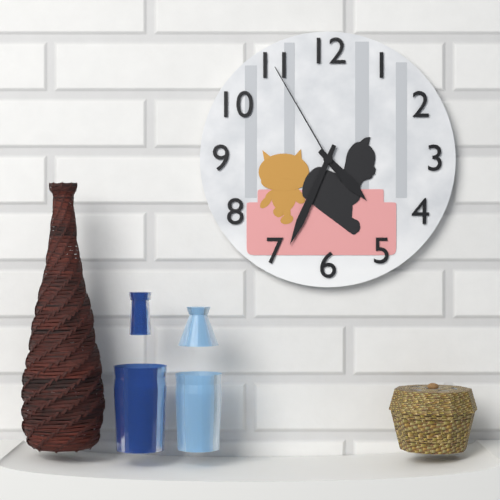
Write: 4:34:55
